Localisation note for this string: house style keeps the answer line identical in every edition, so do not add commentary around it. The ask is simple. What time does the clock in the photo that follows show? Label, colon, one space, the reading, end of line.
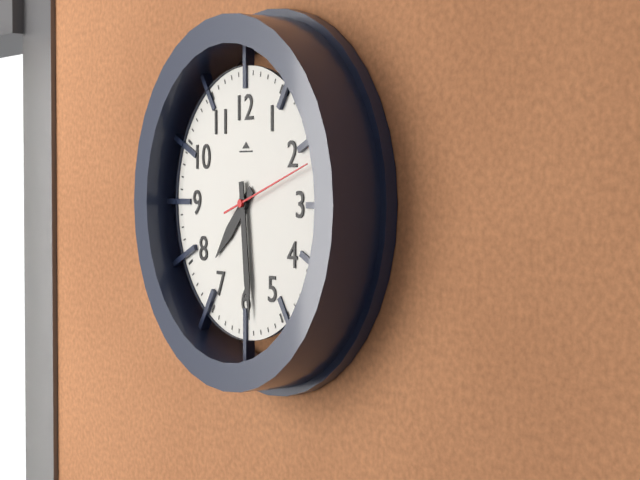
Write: 7:29:12
